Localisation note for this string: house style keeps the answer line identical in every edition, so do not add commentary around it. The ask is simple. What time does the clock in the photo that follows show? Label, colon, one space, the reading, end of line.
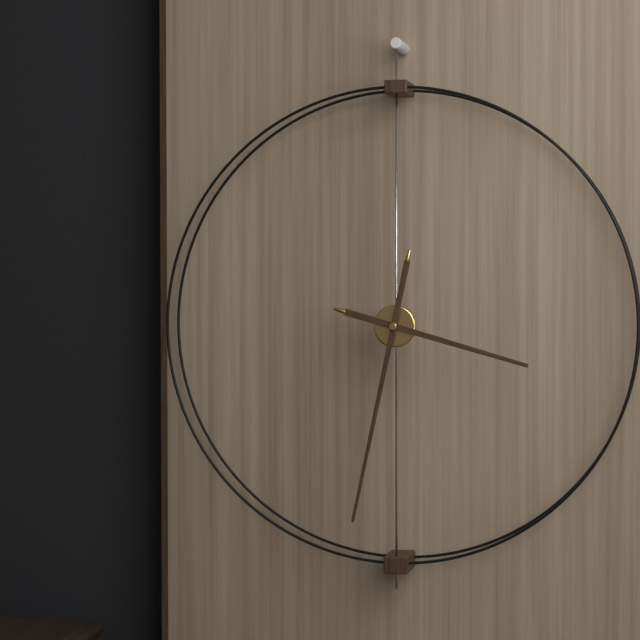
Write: 3:32
